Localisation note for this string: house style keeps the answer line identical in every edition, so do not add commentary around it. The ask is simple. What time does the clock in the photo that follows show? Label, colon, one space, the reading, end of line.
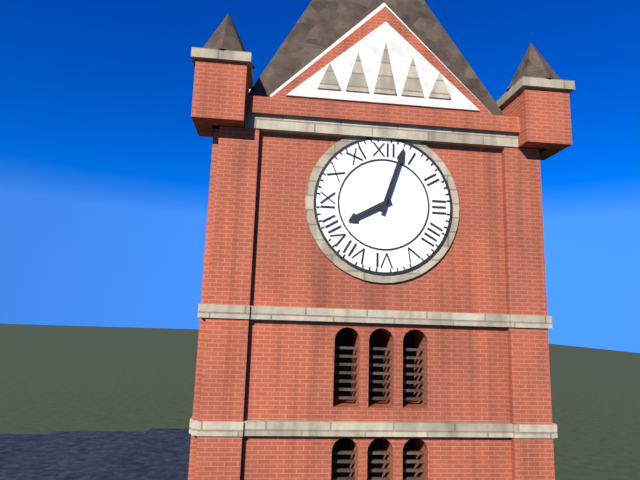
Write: 8:03
